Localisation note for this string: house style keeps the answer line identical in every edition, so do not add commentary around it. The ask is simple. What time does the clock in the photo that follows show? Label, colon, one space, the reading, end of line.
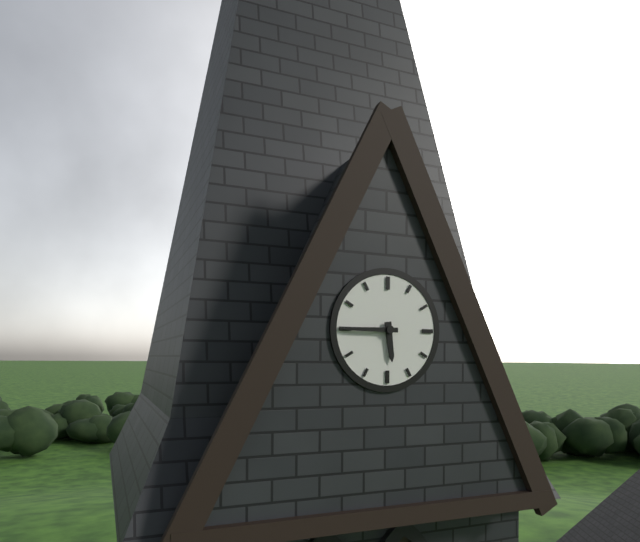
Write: 5:45
